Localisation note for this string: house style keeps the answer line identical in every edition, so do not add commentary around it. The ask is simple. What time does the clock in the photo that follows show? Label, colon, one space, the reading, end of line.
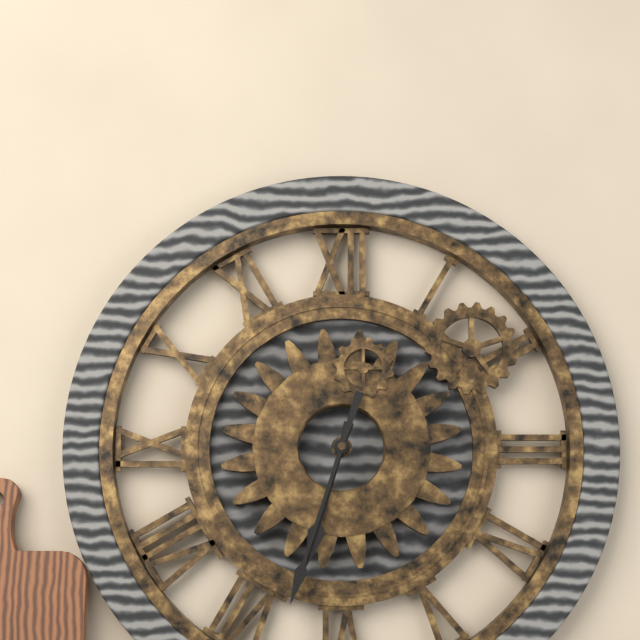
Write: 6:33
